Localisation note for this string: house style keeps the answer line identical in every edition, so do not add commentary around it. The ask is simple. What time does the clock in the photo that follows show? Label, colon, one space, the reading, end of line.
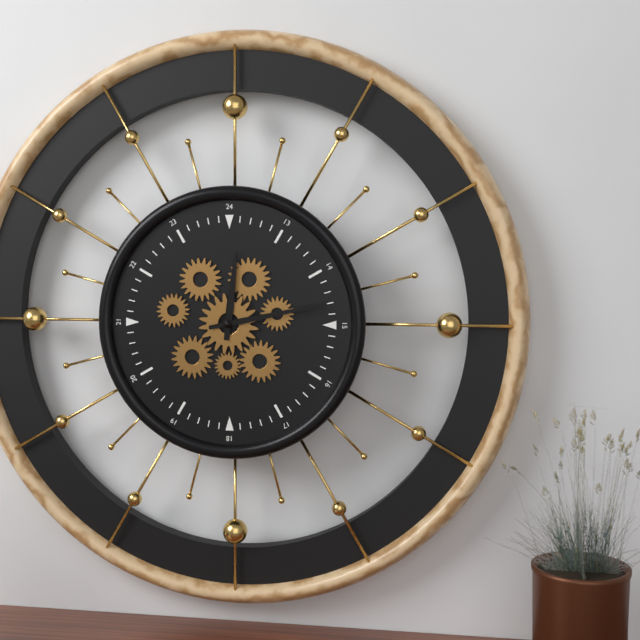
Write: 12:13
